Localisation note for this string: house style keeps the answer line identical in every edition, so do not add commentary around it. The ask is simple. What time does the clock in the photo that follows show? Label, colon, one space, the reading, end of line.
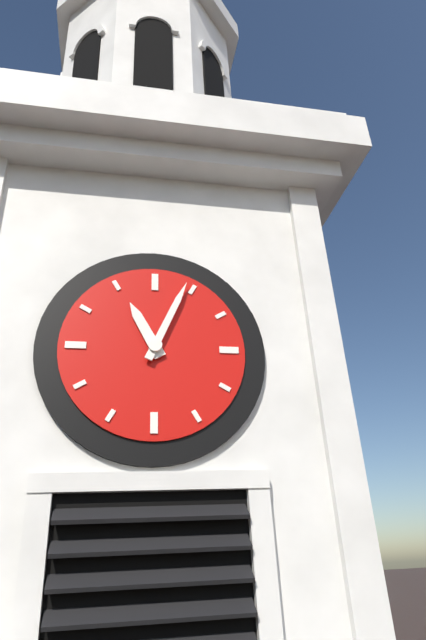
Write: 11:04
